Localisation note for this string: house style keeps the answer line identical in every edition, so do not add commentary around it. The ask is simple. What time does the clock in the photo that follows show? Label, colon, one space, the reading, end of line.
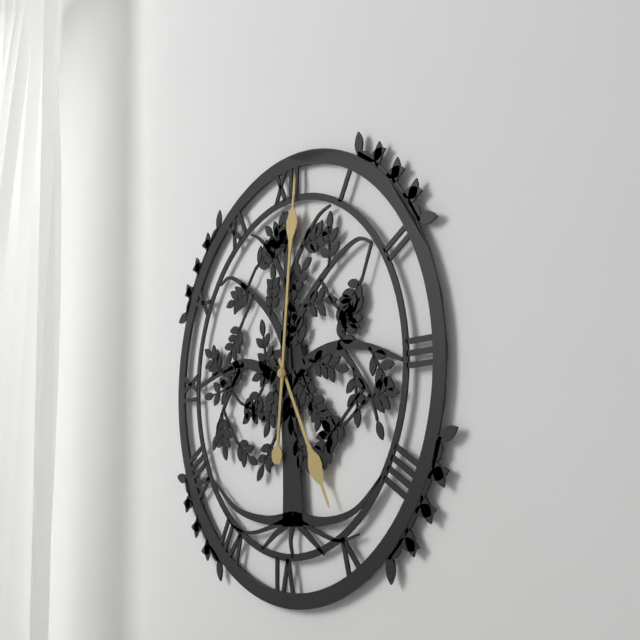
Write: 5:01
